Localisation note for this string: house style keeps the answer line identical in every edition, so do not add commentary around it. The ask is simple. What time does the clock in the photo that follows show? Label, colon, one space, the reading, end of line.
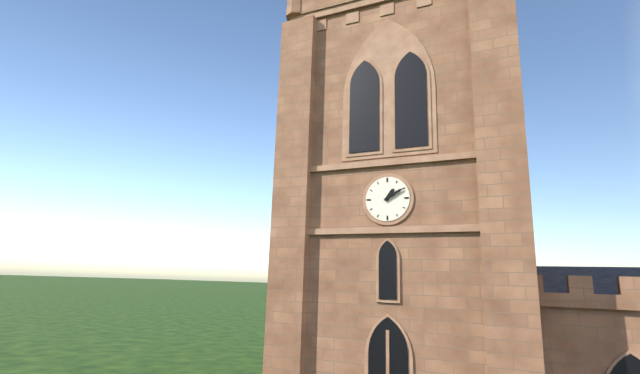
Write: 1:10
